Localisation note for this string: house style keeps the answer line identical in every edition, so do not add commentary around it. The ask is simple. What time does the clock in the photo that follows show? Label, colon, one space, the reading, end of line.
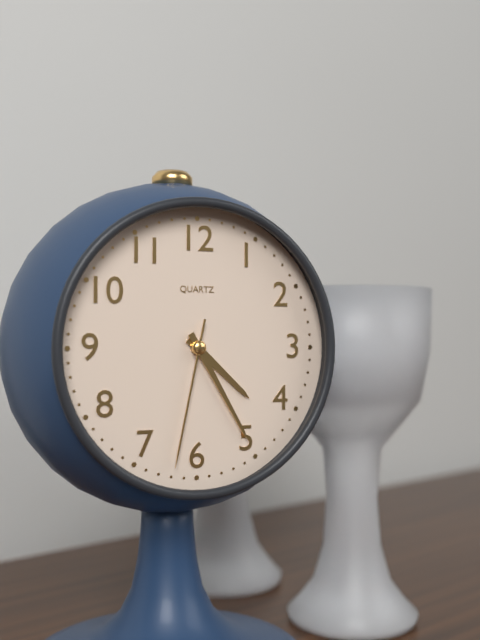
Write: 4:25:32
